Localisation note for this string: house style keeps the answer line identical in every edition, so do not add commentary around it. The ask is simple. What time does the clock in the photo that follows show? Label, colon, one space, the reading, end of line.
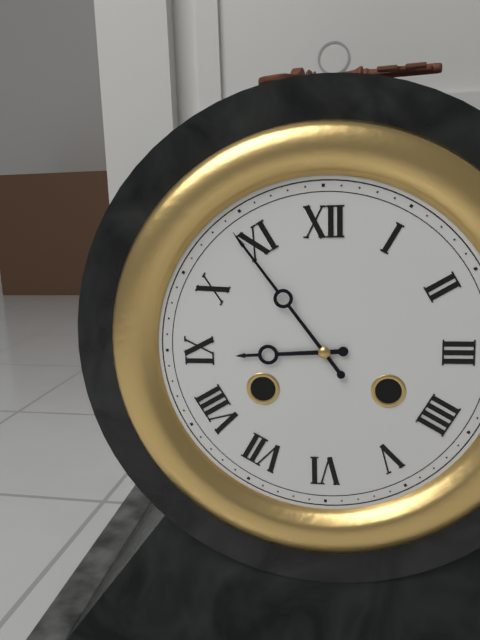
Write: 8:54
